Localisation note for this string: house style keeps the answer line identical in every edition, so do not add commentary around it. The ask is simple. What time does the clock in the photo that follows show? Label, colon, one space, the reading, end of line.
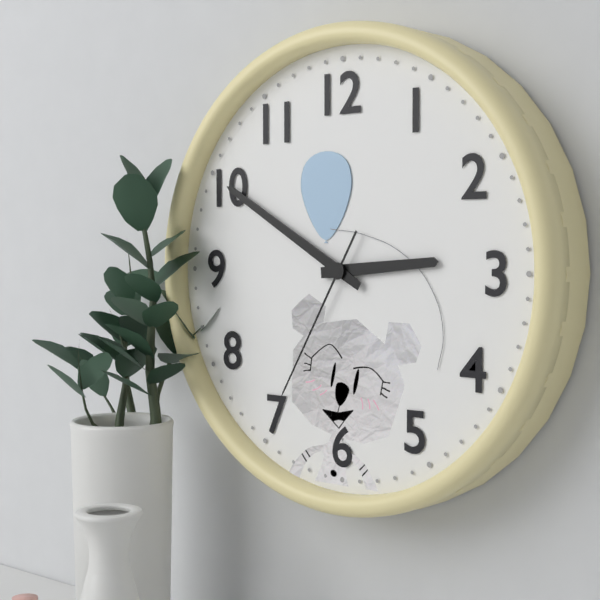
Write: 2:50:35
